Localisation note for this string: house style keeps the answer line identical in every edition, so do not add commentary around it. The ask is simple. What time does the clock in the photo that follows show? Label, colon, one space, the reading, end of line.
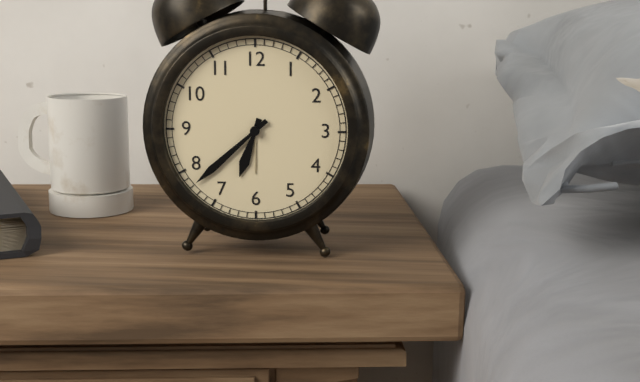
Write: 6:38
